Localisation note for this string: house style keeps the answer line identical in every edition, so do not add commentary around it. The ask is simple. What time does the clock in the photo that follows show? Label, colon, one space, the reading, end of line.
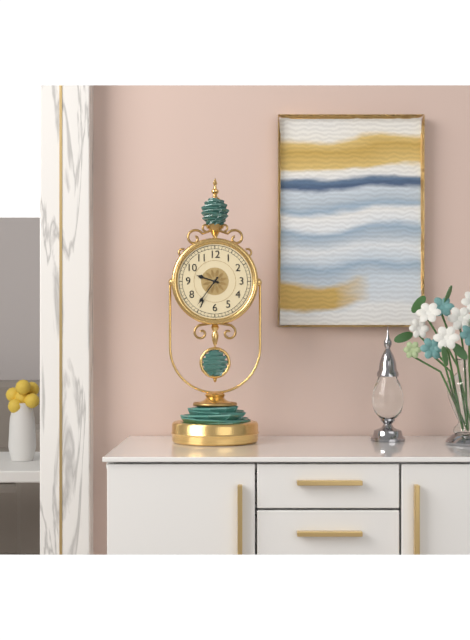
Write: 9:36
